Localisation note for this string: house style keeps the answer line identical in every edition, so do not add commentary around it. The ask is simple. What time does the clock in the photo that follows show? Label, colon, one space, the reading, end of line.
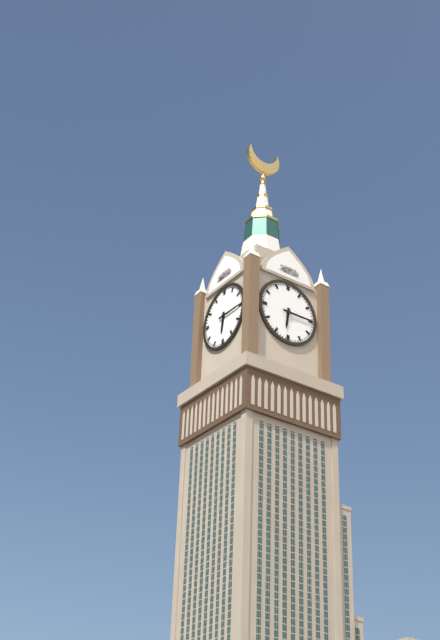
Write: 6:15
